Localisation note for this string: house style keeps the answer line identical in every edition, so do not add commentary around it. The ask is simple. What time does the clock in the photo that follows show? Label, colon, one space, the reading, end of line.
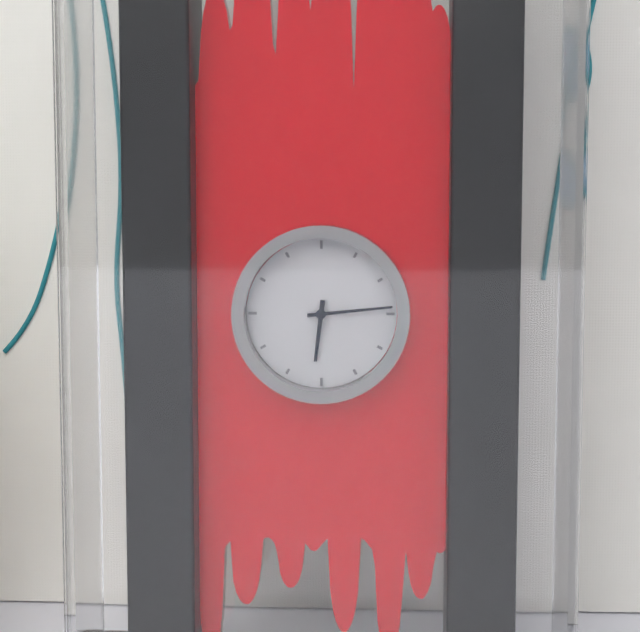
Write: 6:14
